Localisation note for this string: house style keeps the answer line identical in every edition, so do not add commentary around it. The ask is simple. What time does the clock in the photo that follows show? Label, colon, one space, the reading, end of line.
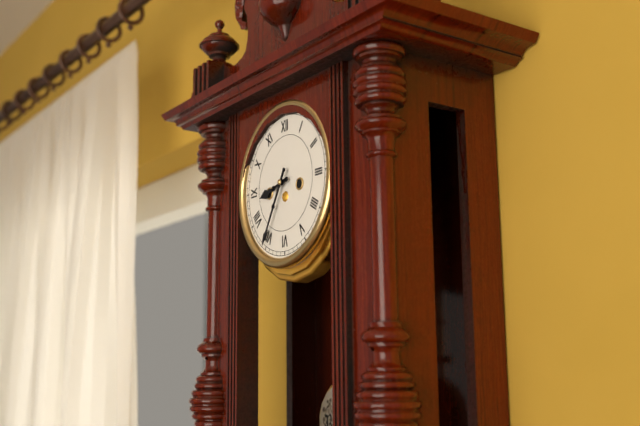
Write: 8:35
